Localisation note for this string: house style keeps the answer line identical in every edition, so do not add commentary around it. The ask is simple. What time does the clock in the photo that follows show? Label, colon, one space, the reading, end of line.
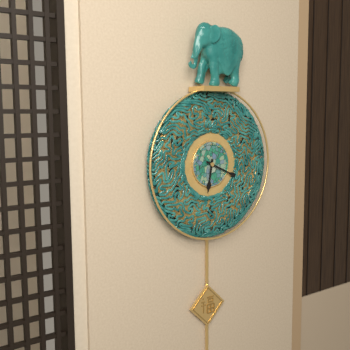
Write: 6:19
